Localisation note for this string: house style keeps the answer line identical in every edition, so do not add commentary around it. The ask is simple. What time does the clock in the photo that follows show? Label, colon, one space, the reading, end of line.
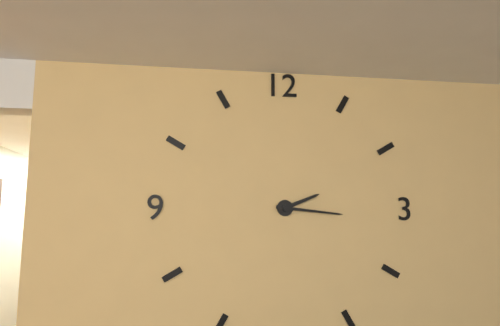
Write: 2:16
